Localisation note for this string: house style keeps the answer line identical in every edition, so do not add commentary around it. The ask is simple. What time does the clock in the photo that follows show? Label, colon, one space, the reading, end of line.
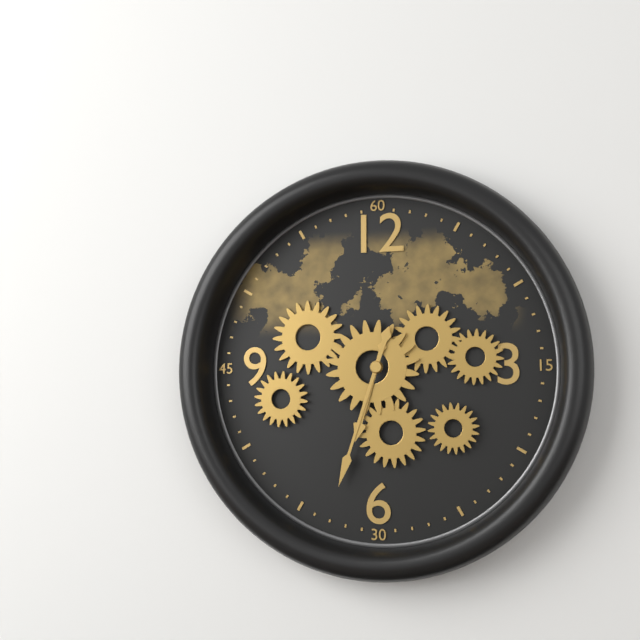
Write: 6:33
